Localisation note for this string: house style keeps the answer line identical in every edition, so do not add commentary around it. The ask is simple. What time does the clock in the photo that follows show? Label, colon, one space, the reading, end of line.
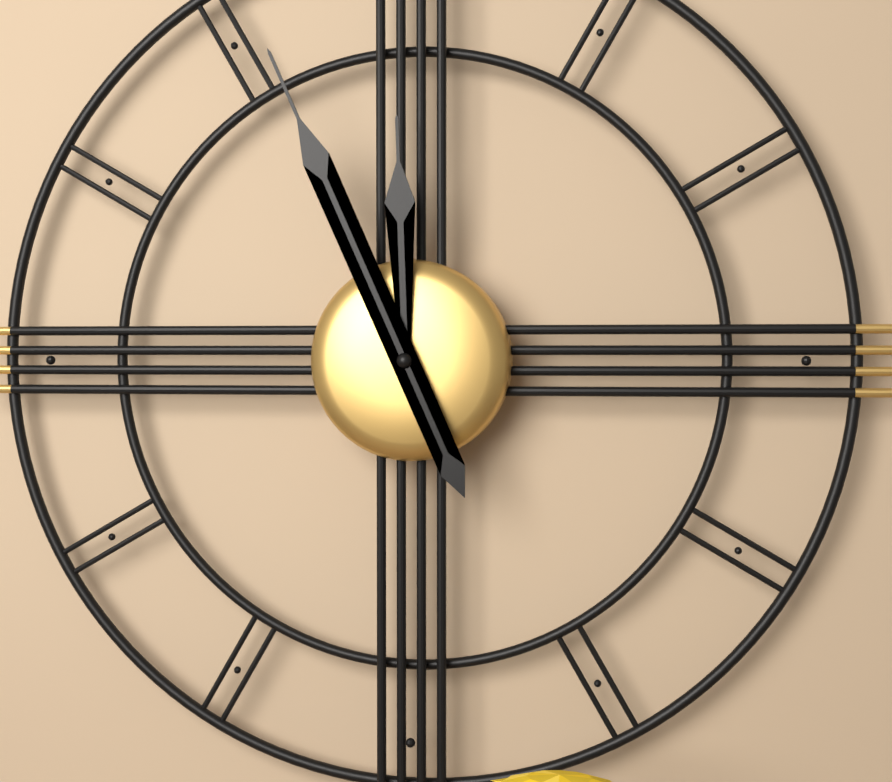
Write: 11:56
